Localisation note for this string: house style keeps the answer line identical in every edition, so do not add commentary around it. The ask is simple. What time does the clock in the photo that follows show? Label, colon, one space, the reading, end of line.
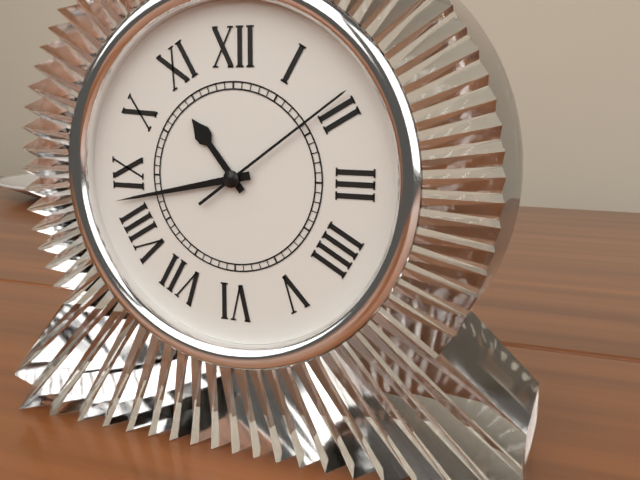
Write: 10:43:09
